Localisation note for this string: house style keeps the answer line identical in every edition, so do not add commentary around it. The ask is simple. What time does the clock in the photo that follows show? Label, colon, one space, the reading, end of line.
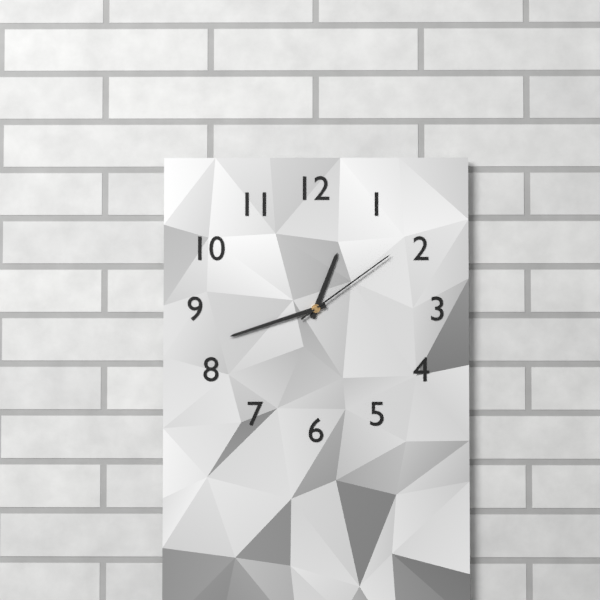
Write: 12:42:09
